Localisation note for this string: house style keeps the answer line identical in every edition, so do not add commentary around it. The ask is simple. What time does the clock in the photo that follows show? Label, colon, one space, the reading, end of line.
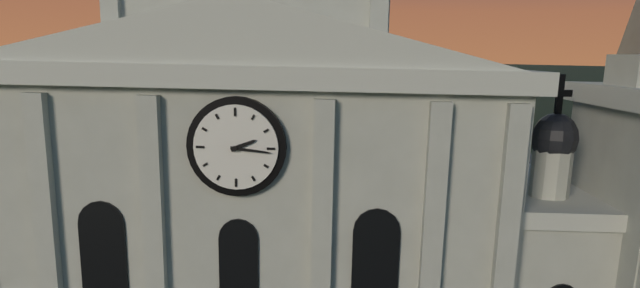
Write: 2:16
